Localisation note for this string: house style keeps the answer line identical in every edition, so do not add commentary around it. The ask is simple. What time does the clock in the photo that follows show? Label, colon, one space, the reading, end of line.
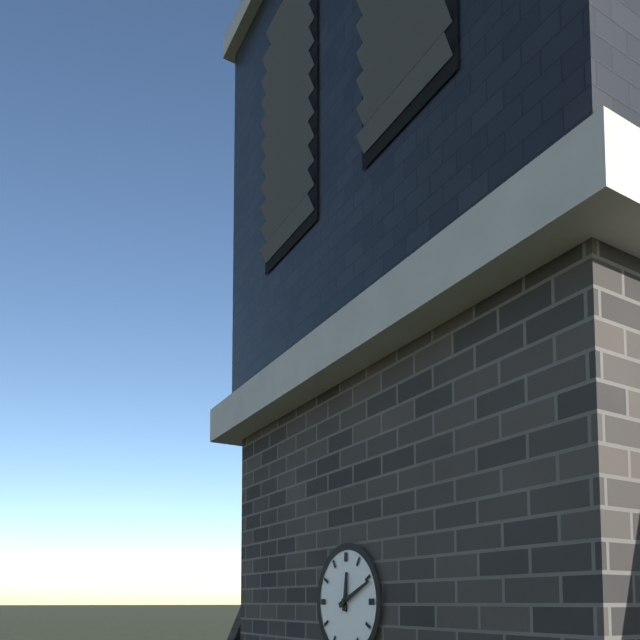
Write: 12:11
